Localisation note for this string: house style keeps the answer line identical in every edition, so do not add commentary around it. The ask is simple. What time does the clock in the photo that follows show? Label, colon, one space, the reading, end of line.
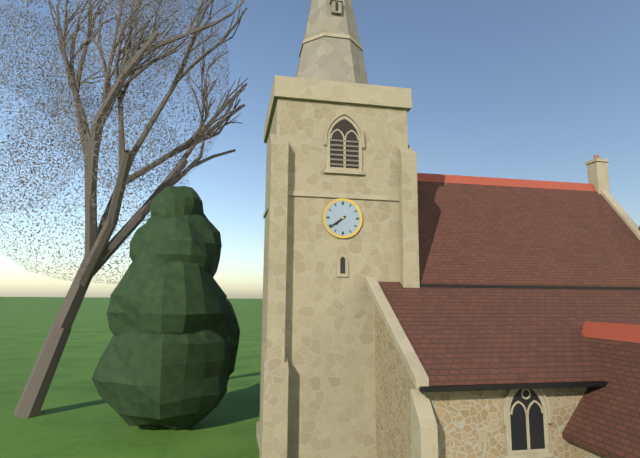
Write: 7:39
